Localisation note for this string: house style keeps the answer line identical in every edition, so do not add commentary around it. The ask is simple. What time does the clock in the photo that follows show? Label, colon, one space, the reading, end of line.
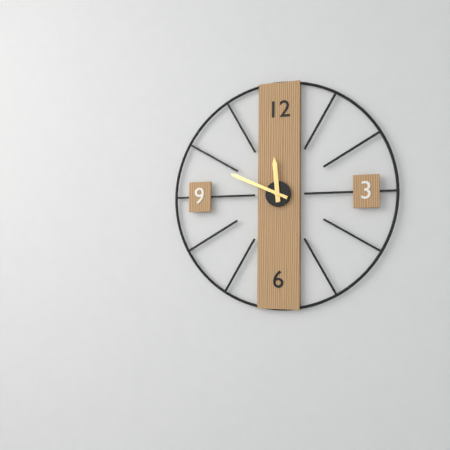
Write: 11:49
